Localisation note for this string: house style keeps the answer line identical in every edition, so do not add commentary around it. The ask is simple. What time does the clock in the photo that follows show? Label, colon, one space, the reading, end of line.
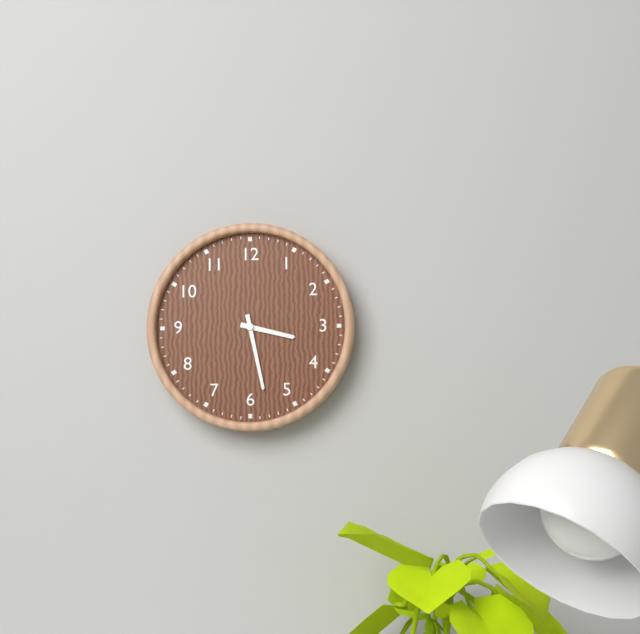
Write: 3:28
